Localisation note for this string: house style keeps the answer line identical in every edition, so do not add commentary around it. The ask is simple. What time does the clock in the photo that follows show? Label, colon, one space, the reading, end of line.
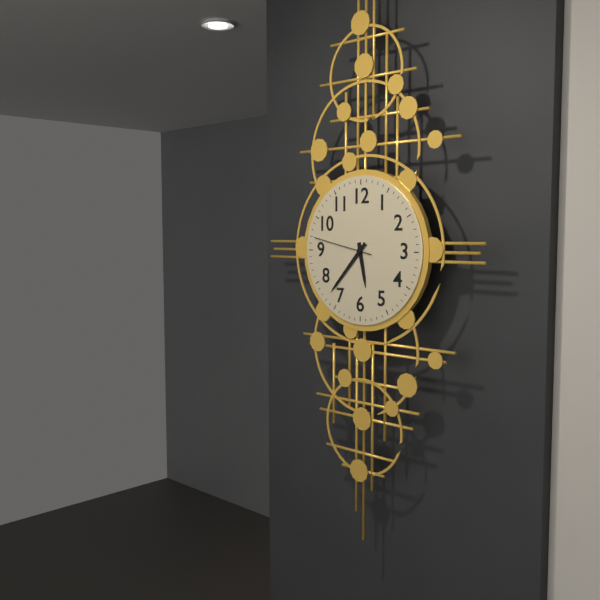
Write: 5:37:47
